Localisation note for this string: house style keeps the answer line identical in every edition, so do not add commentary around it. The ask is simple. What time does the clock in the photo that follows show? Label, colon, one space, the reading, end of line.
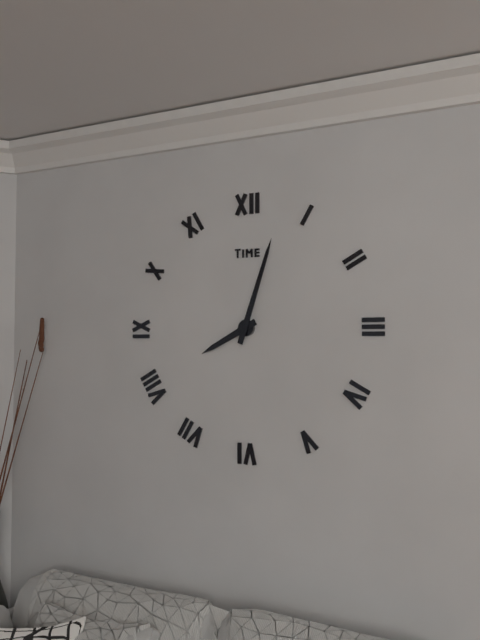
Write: 8:03
